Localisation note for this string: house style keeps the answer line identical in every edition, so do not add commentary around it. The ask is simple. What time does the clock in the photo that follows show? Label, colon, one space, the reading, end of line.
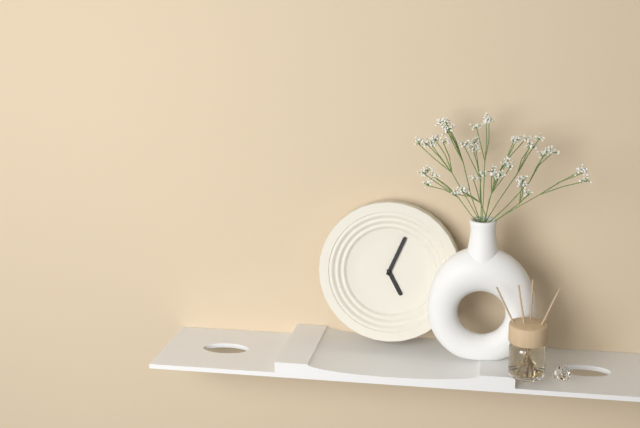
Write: 5:04
